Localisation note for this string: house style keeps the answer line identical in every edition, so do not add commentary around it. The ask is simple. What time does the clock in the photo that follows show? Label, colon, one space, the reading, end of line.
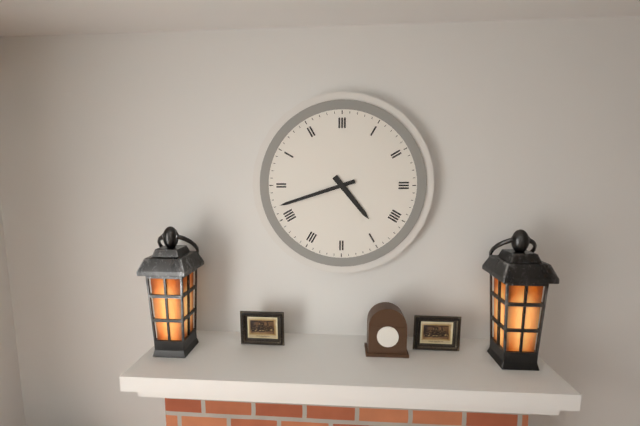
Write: 4:42
